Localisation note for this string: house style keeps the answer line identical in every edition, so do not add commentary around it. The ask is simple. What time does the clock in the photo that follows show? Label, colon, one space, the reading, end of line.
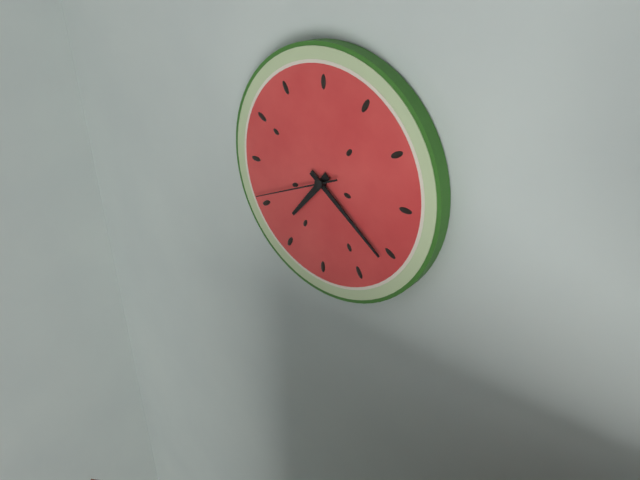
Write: 7:21:41
